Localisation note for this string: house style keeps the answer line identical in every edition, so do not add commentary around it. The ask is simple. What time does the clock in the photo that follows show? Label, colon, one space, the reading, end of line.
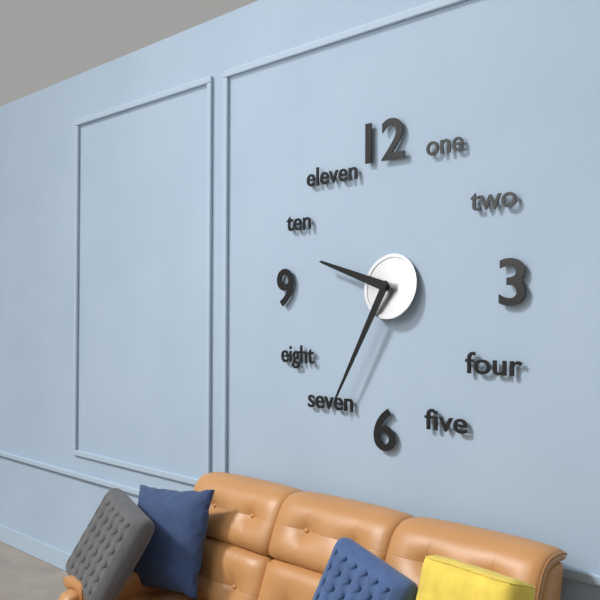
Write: 9:35
